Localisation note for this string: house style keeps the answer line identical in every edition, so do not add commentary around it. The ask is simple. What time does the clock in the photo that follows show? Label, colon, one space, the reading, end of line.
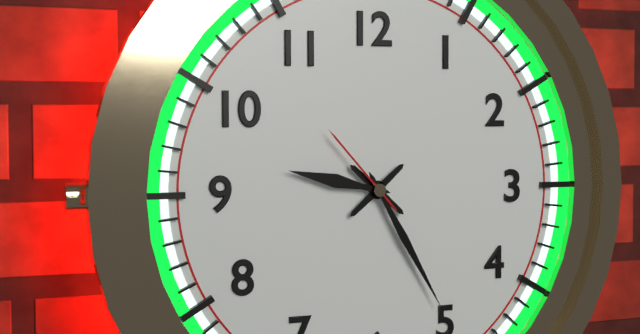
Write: 9:25:53
